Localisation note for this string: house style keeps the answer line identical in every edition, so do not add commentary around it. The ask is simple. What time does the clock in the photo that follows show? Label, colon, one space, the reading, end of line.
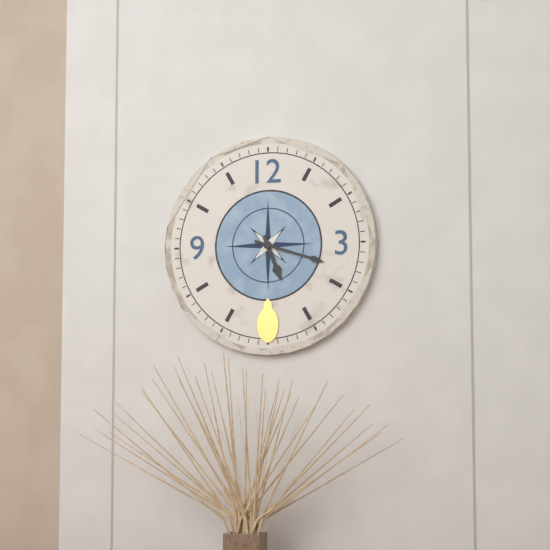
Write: 5:18
